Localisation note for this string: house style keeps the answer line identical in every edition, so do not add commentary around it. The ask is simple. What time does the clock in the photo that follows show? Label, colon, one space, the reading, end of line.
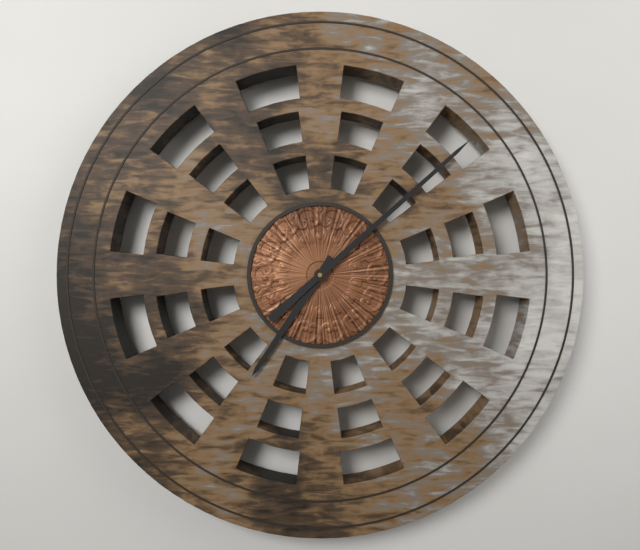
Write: 7:08
